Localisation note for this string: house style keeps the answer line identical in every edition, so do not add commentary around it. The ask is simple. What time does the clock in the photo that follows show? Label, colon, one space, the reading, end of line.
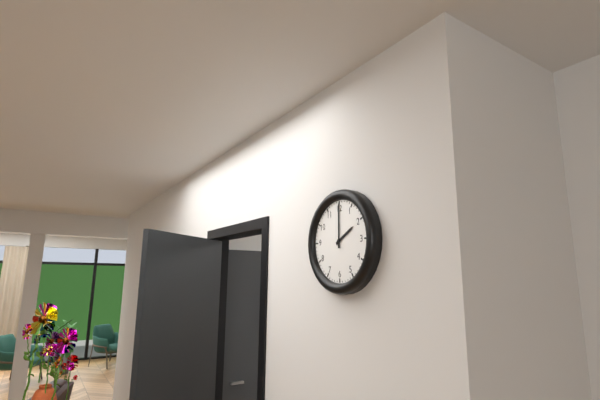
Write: 2:00
